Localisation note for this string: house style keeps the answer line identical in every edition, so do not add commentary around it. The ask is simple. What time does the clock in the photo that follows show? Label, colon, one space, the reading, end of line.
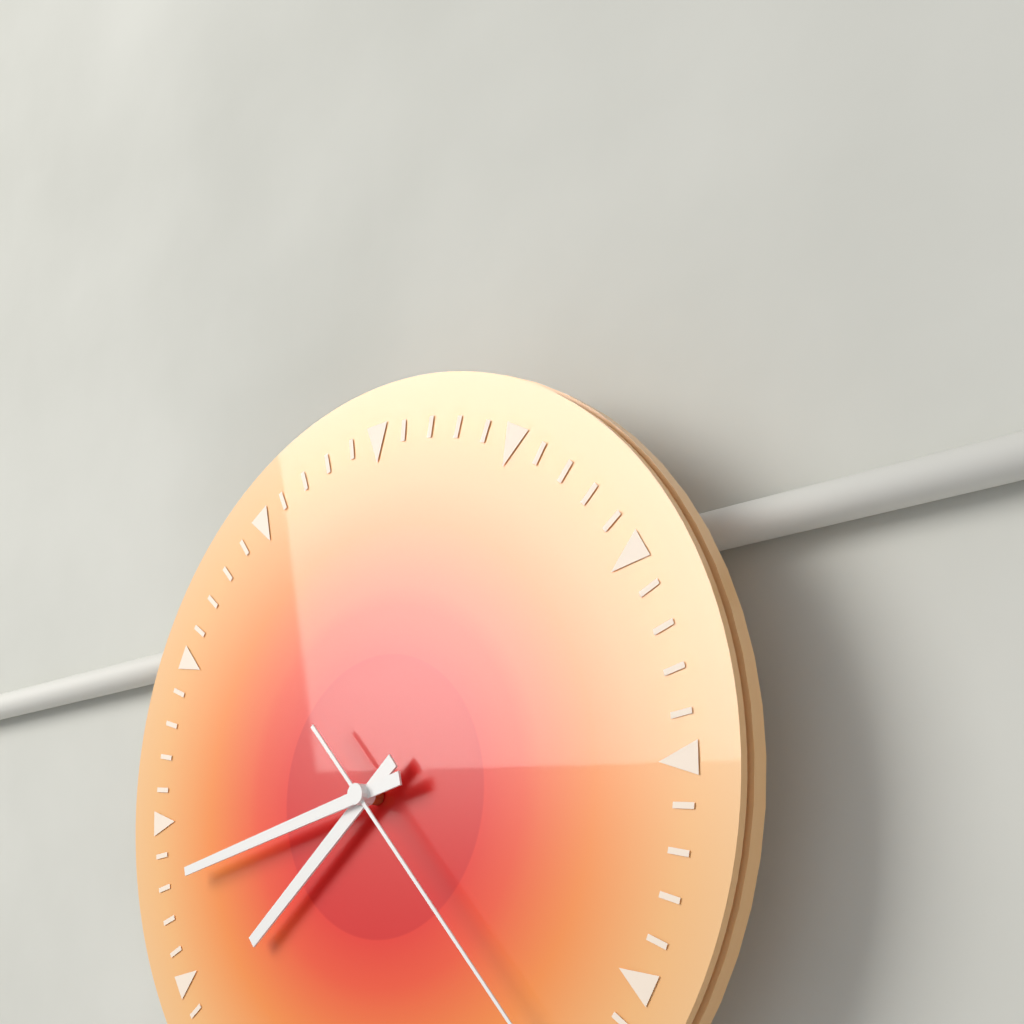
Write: 7:43
